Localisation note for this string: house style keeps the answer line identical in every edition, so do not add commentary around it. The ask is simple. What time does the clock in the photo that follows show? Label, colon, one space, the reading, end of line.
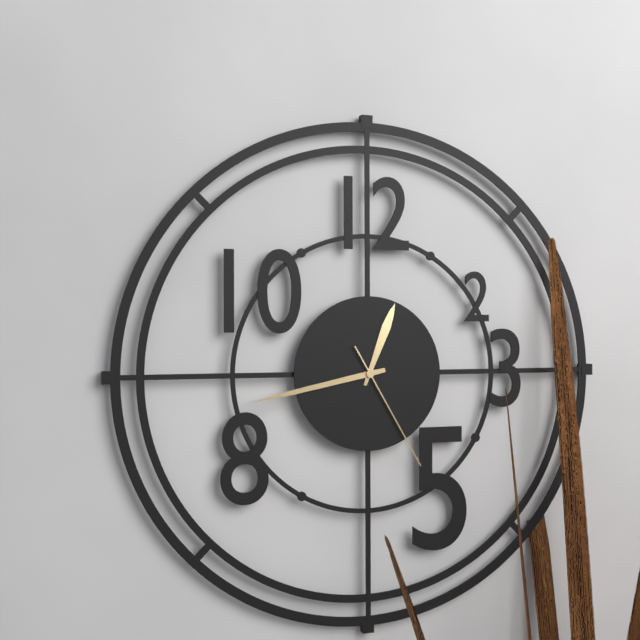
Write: 12:43:25
